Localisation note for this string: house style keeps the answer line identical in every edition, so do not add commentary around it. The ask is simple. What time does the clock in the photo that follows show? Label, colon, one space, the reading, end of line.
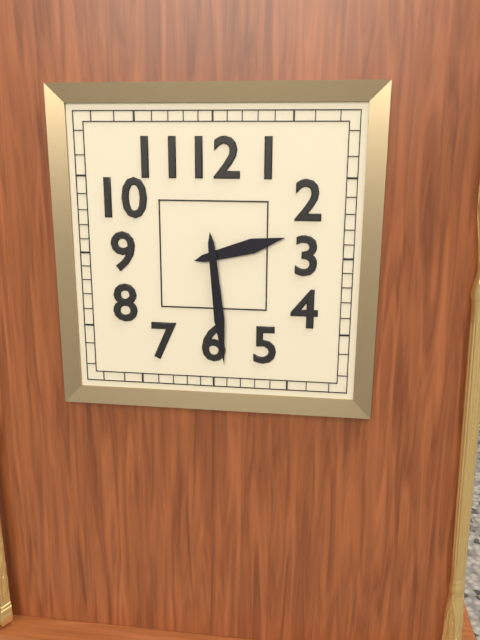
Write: 2:29
